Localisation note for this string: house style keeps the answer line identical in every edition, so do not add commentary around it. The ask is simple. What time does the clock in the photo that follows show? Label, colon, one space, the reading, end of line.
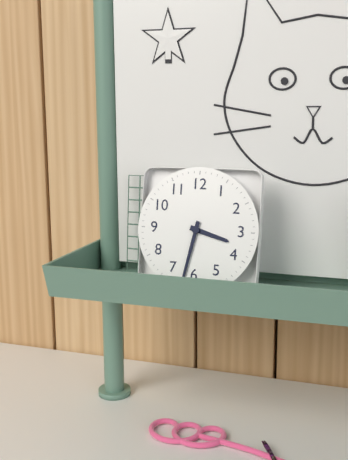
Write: 3:32
